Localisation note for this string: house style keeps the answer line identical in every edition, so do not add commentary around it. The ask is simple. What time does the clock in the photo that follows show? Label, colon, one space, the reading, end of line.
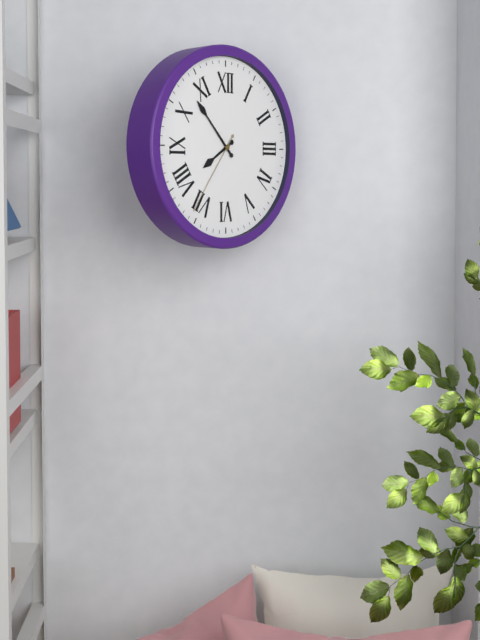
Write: 7:53:36
